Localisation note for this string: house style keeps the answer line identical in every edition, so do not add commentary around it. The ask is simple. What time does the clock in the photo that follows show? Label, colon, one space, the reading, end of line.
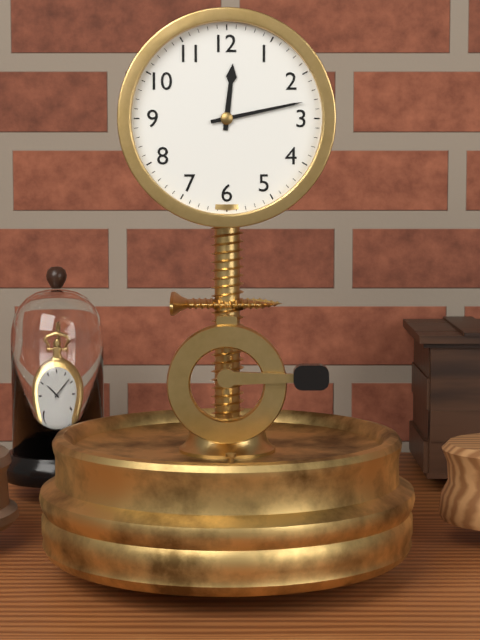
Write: 12:13
